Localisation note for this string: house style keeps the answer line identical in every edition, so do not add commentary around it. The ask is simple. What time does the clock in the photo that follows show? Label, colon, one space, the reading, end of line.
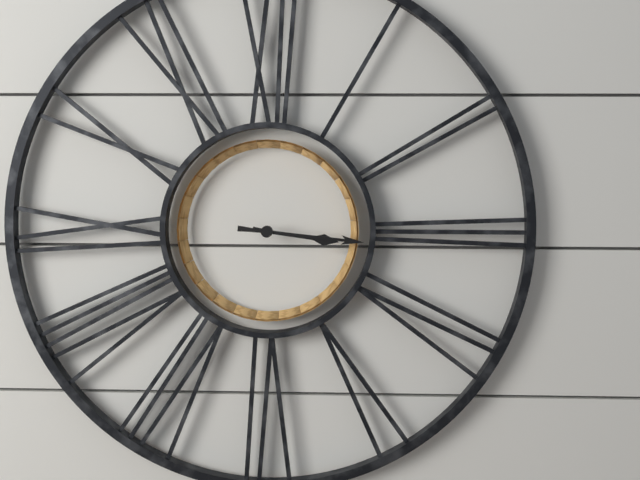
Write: 3:16
